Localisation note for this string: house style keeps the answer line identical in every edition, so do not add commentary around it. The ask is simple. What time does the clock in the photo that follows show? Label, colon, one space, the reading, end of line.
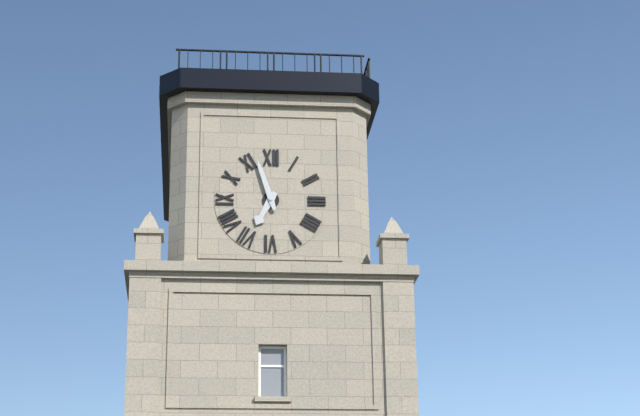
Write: 6:57
